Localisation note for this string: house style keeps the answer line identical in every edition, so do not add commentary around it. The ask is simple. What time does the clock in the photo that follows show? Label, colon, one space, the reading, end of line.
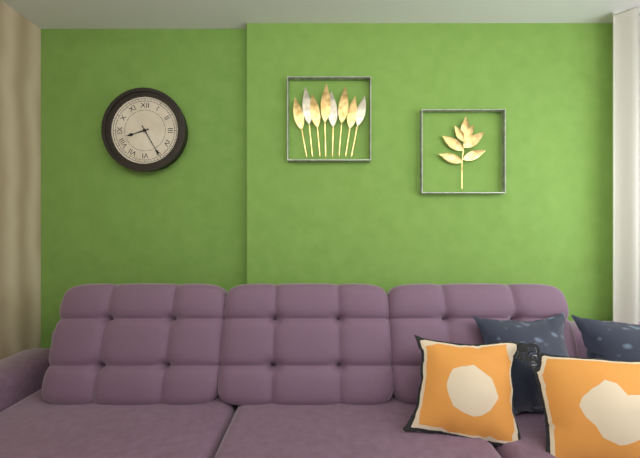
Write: 8:25
